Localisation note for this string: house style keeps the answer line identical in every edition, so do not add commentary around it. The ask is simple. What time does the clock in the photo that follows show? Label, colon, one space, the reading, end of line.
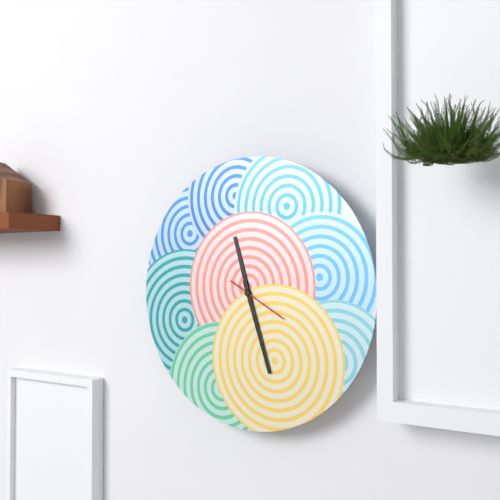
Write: 11:27:20
